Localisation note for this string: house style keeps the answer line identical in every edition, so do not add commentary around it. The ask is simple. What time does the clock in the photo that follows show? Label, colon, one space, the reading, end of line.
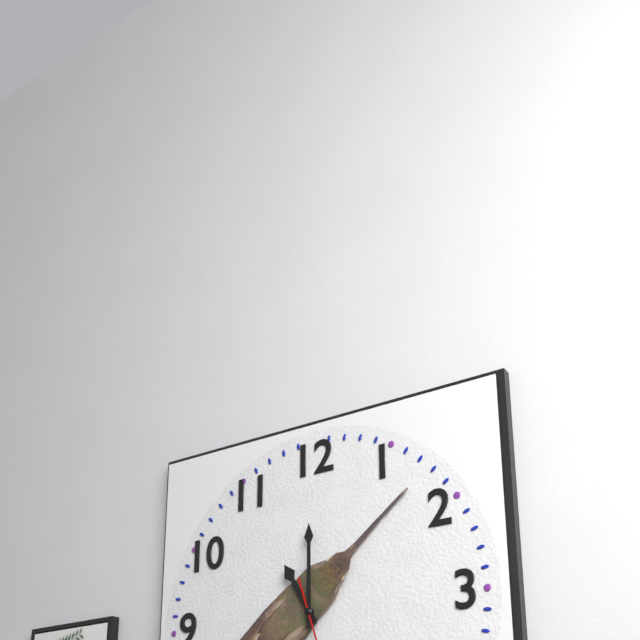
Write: 11:00
